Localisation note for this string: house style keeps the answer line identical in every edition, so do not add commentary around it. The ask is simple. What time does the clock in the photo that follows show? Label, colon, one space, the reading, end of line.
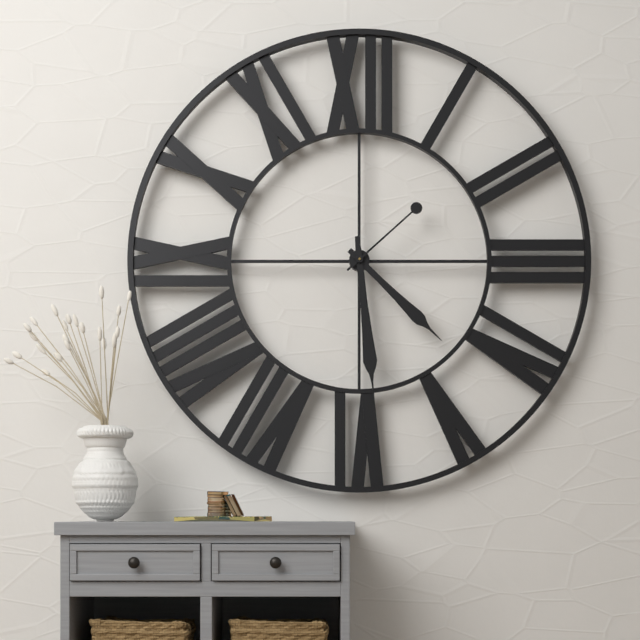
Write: 4:29:08
